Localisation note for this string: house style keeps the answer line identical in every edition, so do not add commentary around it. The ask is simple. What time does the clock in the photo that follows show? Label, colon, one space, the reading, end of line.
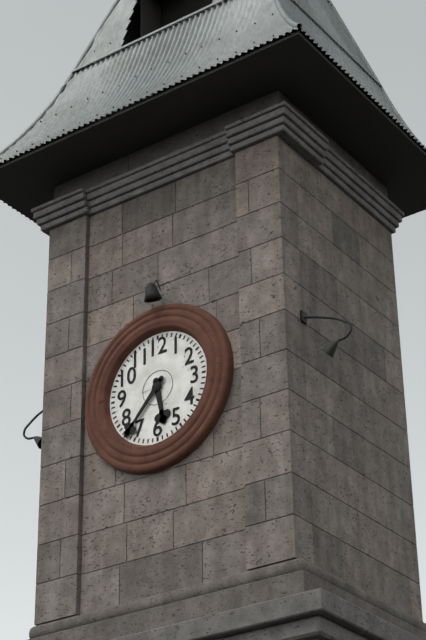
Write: 5:37
